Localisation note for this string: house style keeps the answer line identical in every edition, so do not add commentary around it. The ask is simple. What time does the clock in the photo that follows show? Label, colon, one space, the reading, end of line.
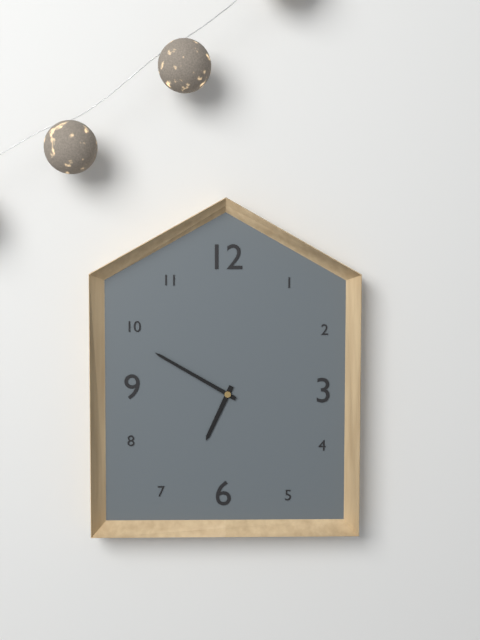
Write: 6:50
